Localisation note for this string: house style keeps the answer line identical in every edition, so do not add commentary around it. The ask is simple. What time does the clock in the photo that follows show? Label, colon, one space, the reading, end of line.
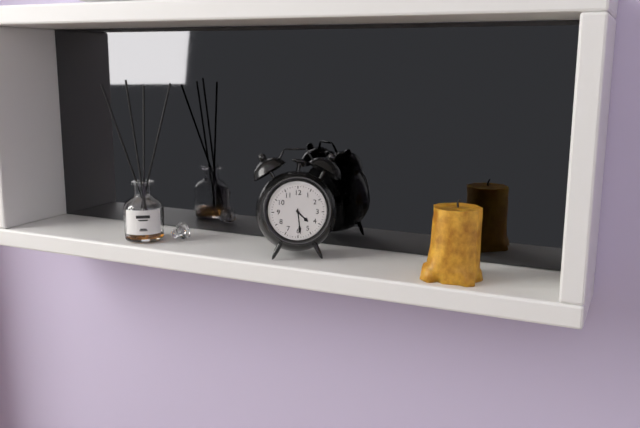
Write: 4:29
